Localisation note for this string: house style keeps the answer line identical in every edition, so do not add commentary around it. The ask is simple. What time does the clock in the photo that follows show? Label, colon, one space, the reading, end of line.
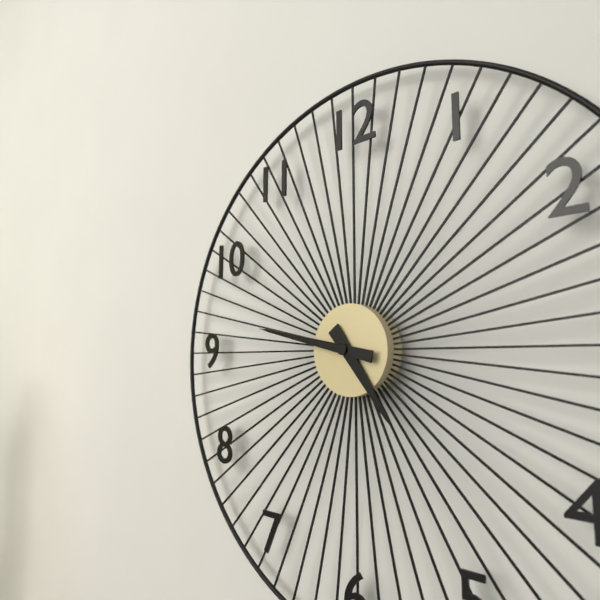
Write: 4:47
